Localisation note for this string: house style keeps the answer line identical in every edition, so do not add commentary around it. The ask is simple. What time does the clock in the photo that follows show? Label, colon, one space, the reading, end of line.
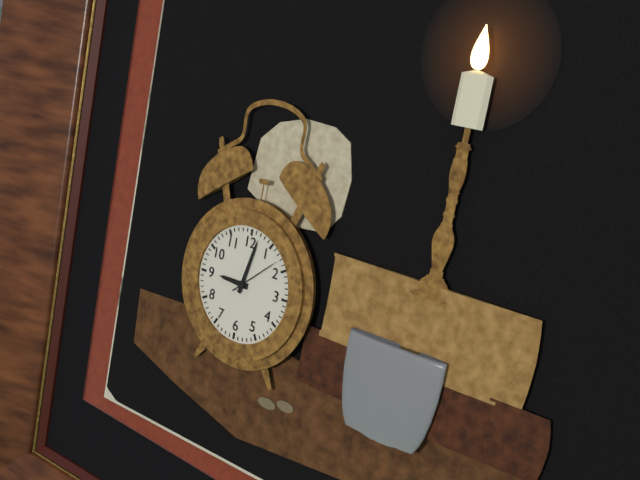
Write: 9:02:08
